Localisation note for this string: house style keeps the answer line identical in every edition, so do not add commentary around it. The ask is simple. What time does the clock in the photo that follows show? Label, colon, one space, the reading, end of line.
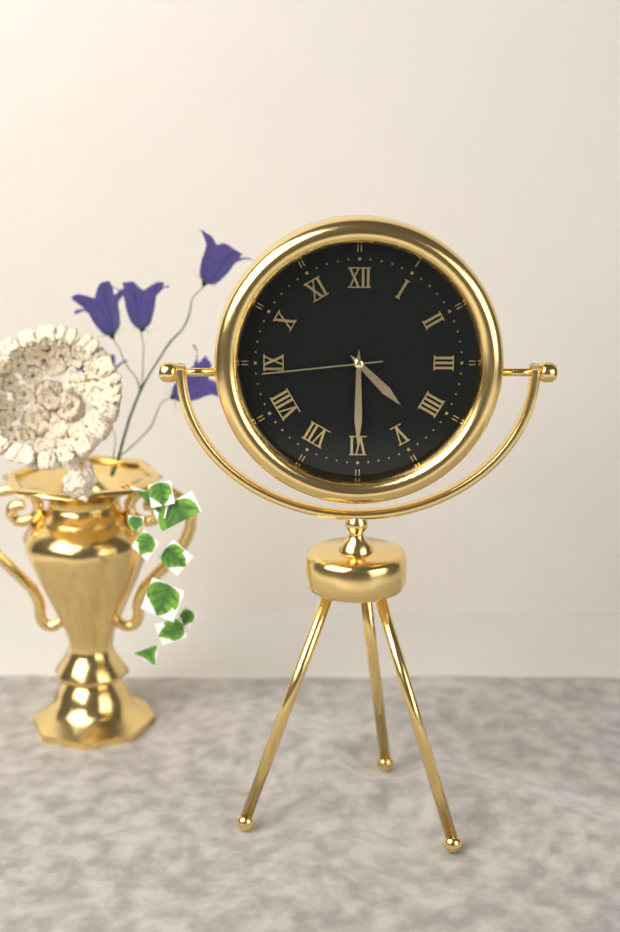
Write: 4:30:44
